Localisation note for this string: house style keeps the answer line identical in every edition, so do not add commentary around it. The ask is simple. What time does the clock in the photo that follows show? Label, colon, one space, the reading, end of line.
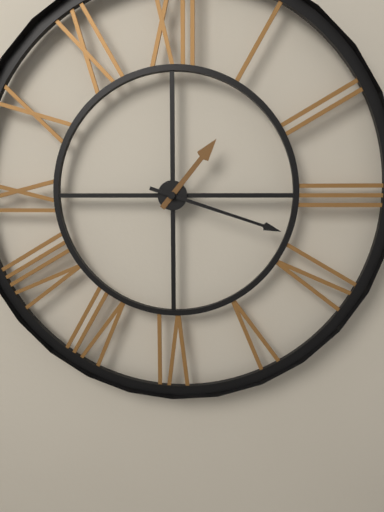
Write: 1:18
